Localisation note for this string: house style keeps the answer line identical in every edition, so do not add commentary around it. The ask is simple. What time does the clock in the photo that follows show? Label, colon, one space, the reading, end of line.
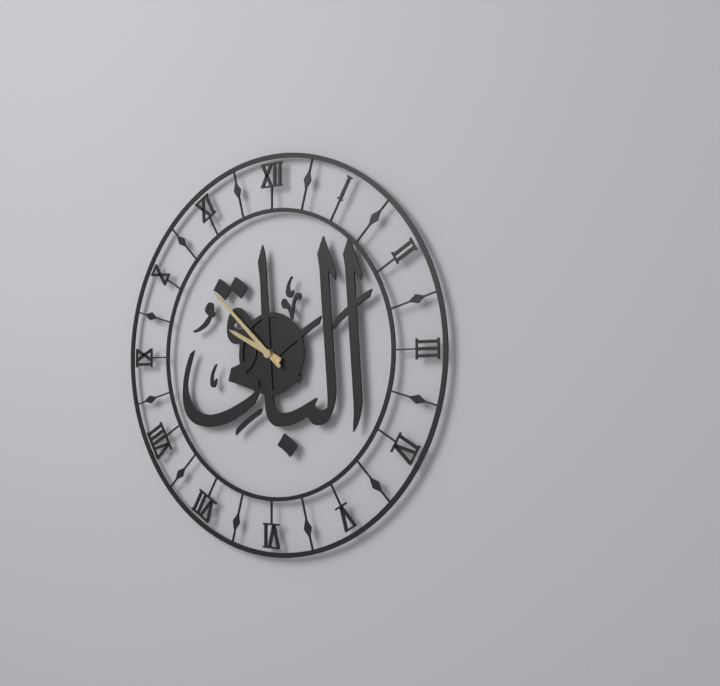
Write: 9:52
